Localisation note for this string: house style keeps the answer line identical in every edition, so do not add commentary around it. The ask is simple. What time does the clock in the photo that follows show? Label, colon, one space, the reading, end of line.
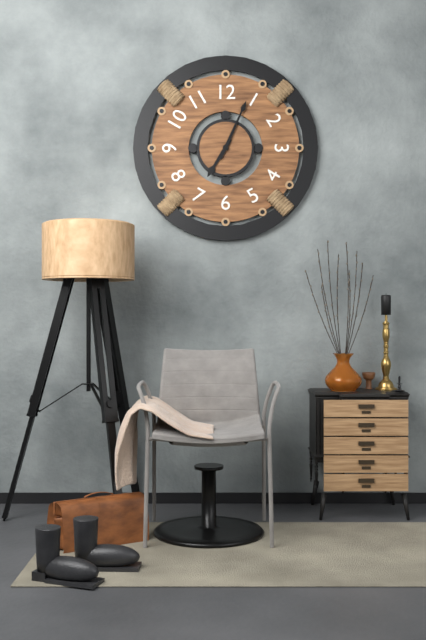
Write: 7:04
